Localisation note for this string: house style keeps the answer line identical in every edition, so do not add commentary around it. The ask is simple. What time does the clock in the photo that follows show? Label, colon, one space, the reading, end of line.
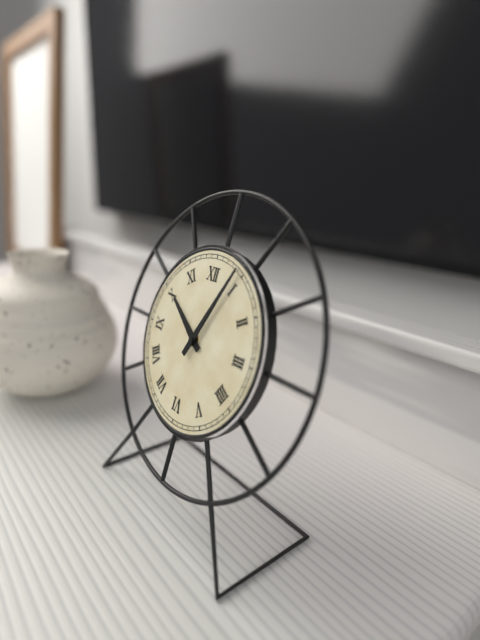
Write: 10:04
